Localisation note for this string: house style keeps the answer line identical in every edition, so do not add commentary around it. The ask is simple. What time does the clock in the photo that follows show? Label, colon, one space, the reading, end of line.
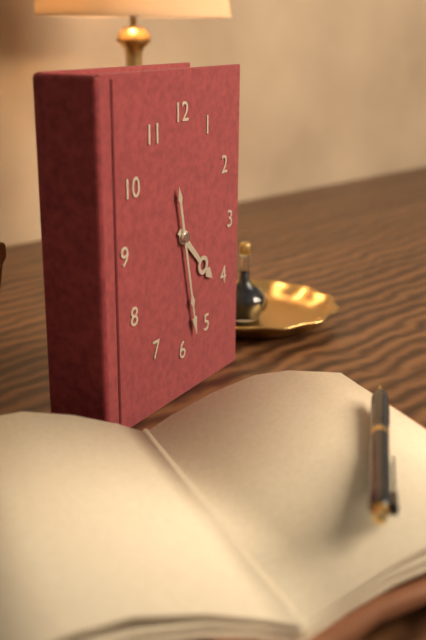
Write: 4:28
